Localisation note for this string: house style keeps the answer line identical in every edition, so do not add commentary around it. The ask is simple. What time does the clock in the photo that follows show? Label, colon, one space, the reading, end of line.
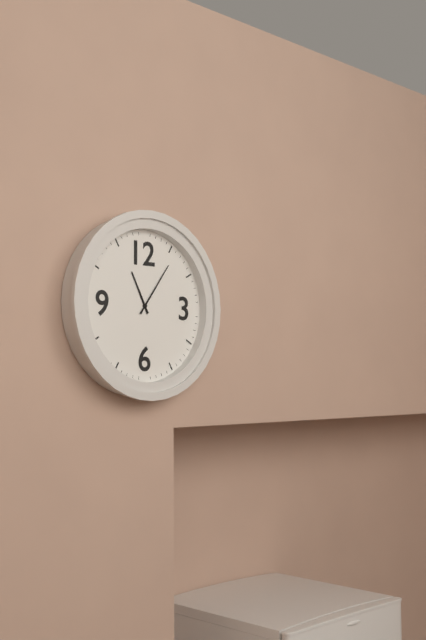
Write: 11:06
